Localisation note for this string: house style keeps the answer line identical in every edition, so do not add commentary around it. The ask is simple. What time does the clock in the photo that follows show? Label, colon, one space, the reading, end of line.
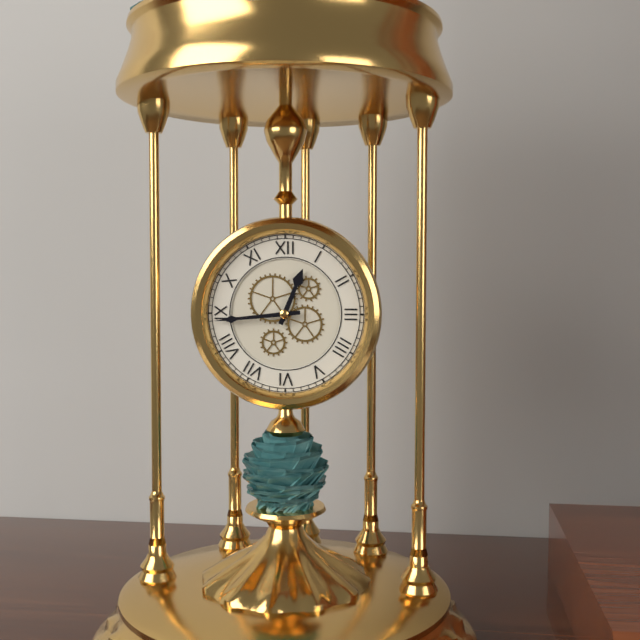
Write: 12:44
